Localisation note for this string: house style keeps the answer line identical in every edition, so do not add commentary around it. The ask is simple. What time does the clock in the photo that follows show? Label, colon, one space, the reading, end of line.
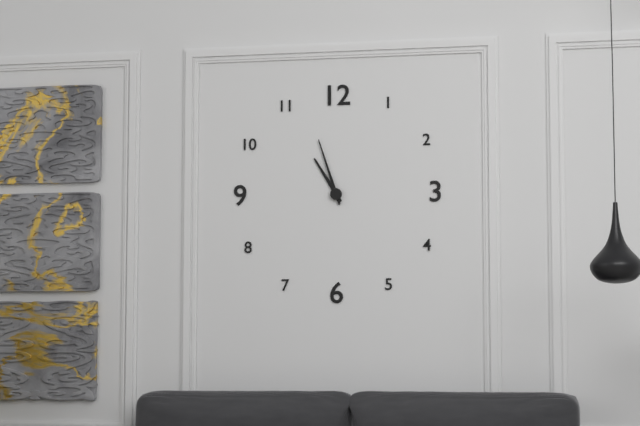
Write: 10:57
